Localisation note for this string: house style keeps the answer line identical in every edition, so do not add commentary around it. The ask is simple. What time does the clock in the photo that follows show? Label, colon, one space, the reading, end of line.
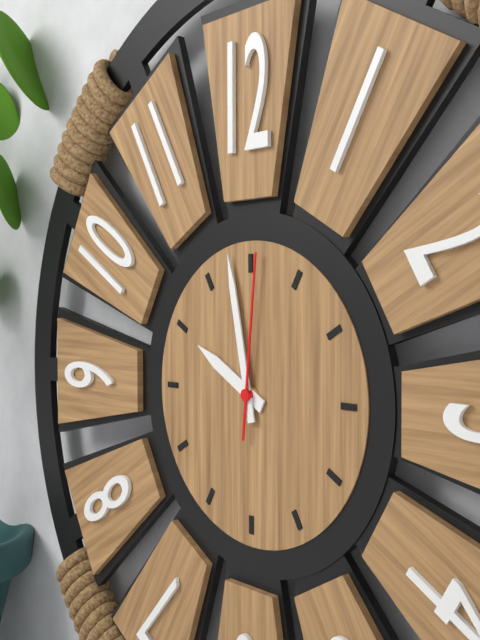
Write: 9:58:01
